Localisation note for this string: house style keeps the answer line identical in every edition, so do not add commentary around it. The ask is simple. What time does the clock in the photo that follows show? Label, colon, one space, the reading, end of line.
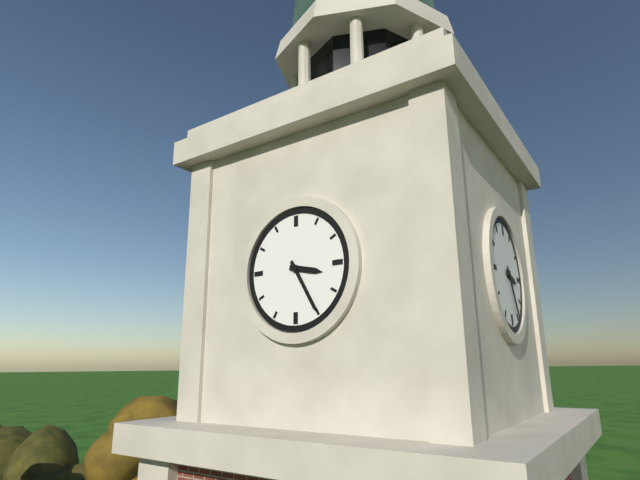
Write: 3:25
